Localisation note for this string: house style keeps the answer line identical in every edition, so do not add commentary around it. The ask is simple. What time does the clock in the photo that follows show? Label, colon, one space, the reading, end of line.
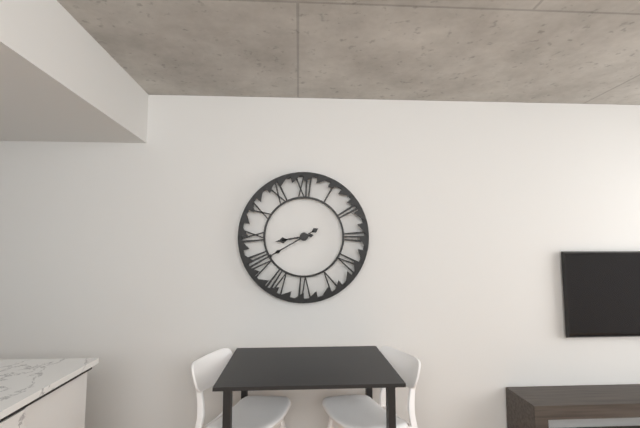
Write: 8:40
